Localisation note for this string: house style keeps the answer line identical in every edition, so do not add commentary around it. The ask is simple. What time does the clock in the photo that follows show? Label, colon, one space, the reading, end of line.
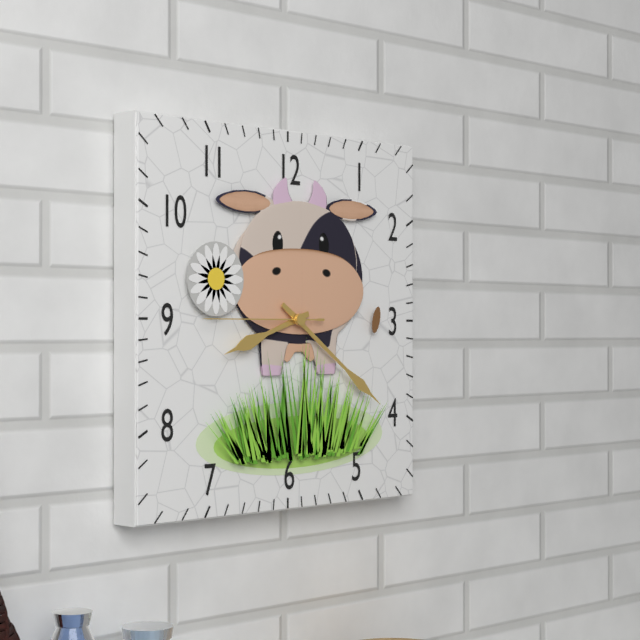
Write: 8:21:45
